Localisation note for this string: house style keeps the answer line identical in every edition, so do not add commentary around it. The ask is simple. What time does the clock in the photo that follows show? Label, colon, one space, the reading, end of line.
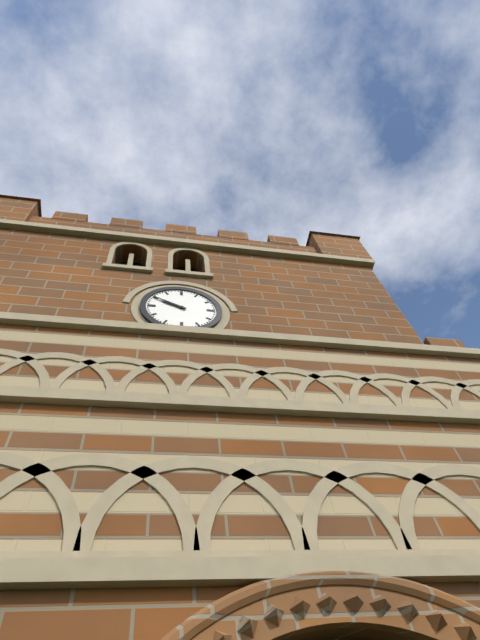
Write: 9:50
